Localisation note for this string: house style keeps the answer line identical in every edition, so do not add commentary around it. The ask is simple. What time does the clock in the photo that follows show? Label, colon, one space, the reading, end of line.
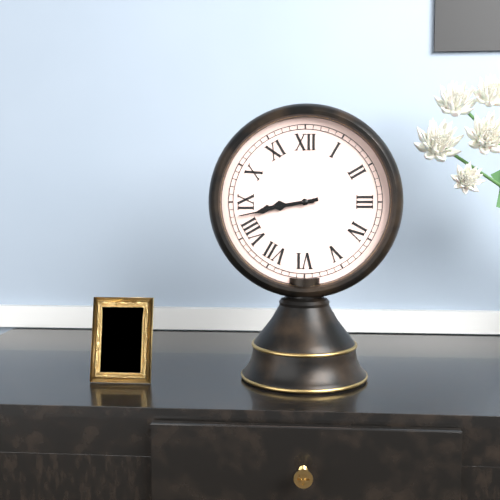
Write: 8:43
